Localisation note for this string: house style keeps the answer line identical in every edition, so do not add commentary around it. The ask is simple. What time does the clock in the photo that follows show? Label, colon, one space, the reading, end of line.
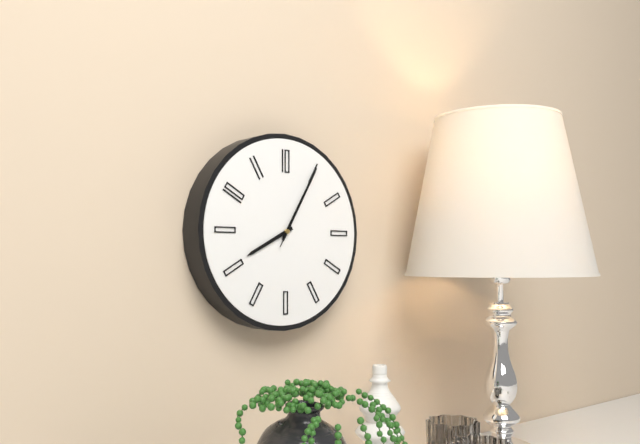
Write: 8:05:05
